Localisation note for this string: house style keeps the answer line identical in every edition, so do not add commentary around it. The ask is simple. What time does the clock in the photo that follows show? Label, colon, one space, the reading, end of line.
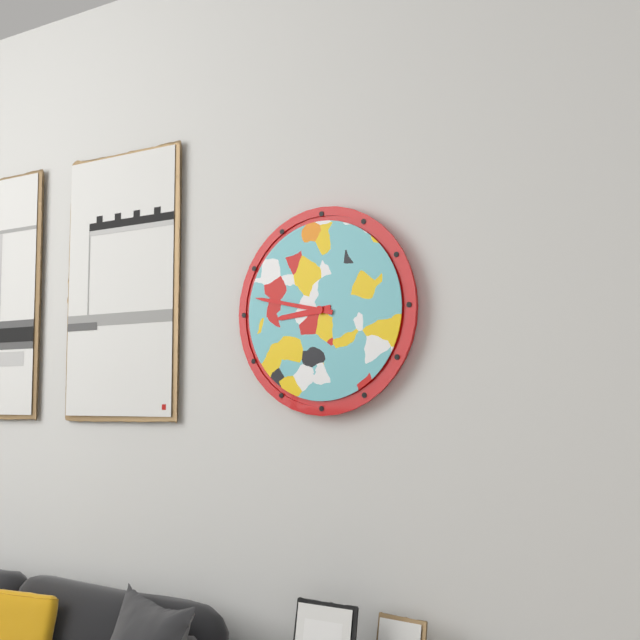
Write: 8:47
